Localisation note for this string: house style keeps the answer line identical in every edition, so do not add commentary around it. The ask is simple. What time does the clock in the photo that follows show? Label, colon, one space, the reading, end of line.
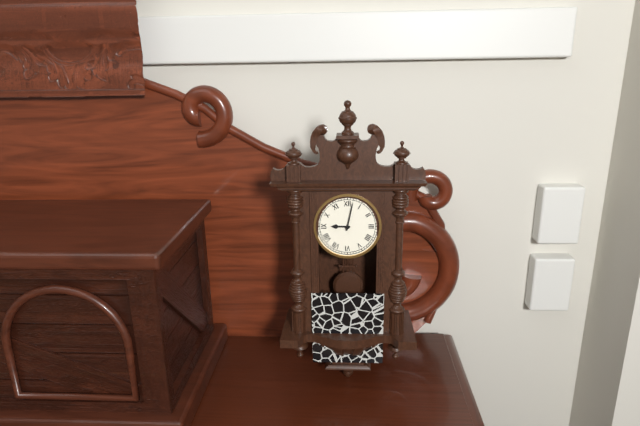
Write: 9:02
